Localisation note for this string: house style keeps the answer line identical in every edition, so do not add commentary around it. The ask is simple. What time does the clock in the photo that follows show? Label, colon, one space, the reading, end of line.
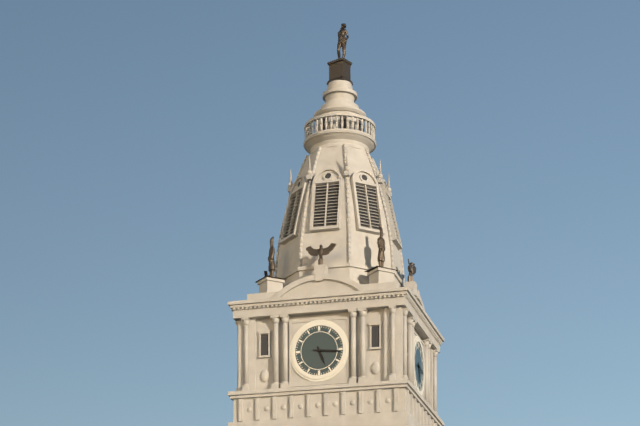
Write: 5:16
